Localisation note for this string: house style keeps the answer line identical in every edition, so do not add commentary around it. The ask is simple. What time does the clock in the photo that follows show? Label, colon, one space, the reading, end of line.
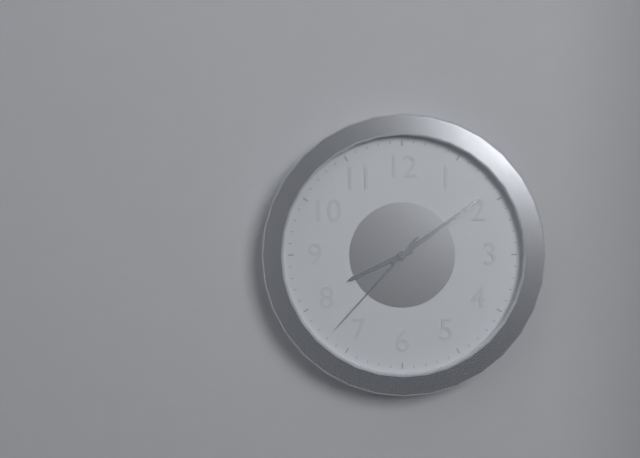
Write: 8:09:37
